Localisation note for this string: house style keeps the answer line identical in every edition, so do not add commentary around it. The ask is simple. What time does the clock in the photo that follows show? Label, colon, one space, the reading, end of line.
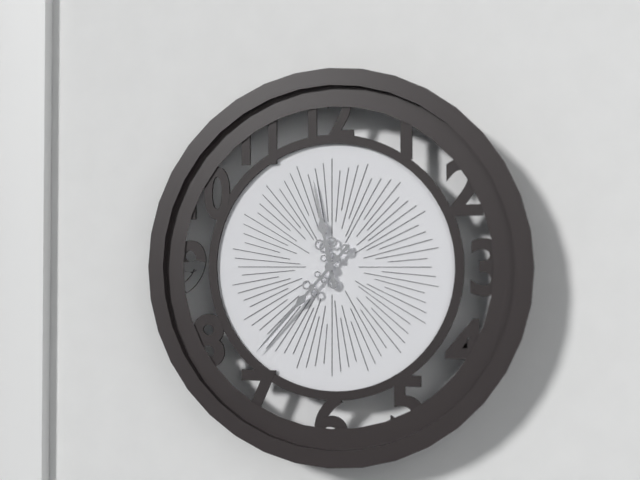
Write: 11:37
